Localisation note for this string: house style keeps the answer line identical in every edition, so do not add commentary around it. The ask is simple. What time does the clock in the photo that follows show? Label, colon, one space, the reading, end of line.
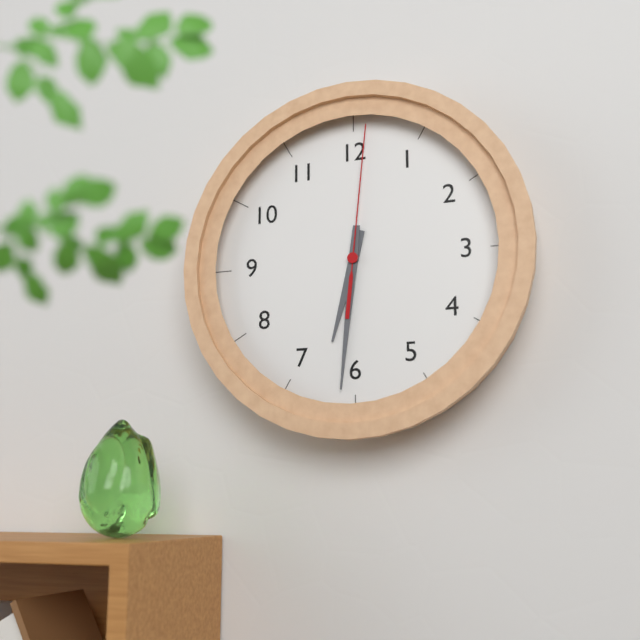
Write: 6:31:01
